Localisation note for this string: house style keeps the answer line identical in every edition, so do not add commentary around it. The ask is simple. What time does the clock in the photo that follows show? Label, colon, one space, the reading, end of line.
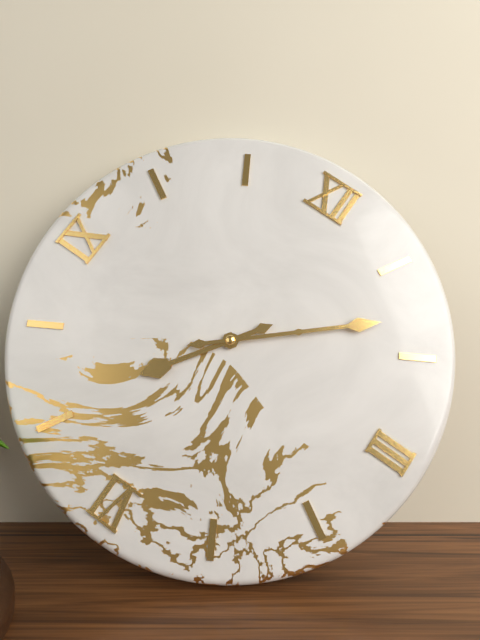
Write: 7:08
